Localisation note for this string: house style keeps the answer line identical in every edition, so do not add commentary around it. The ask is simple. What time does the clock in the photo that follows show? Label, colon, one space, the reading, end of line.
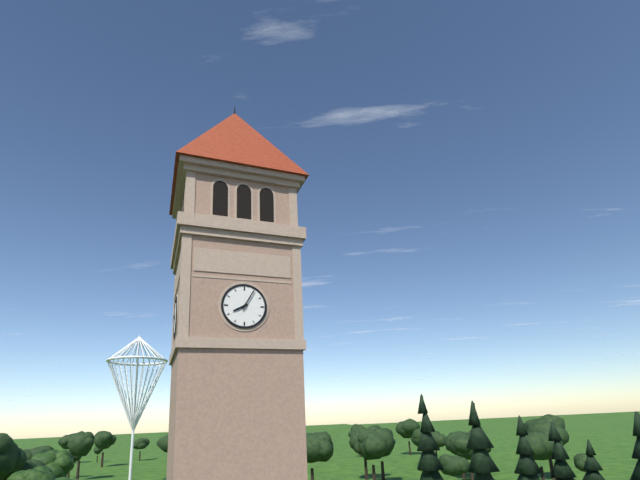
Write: 8:05
